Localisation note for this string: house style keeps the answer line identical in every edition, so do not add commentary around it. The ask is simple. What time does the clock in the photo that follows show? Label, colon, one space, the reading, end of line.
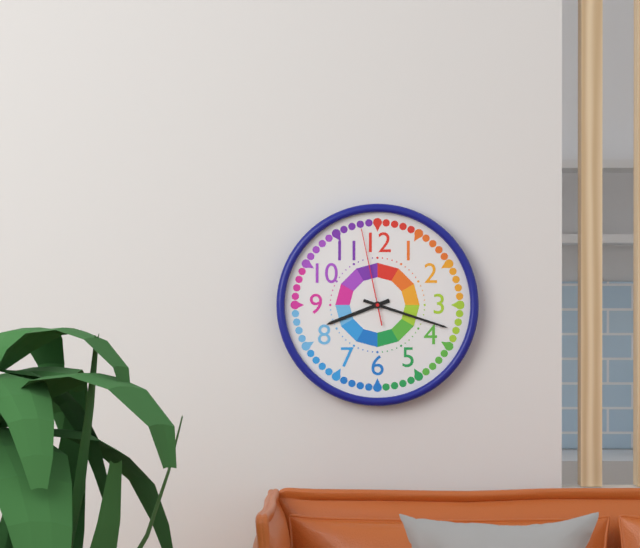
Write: 8:18:58
